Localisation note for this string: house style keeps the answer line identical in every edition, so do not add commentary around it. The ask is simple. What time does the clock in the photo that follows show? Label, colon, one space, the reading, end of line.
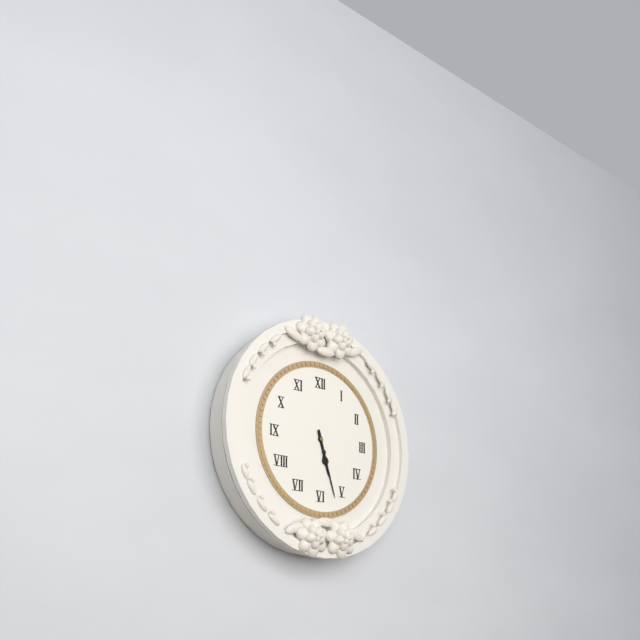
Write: 5:27
